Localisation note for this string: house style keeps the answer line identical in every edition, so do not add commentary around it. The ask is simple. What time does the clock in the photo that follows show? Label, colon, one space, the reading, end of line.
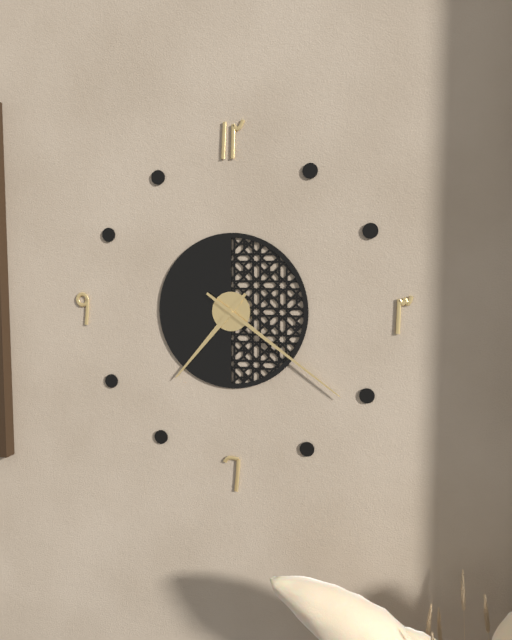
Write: 7:21
